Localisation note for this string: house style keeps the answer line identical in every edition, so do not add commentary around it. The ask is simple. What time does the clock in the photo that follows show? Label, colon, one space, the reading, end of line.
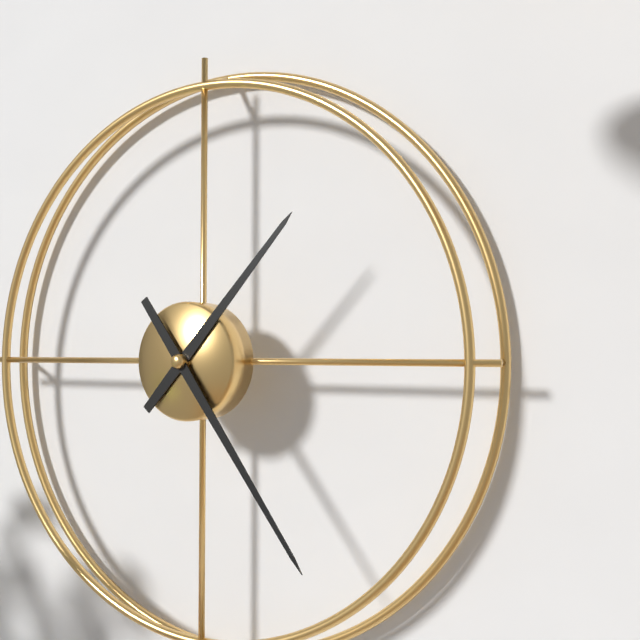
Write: 1:24
